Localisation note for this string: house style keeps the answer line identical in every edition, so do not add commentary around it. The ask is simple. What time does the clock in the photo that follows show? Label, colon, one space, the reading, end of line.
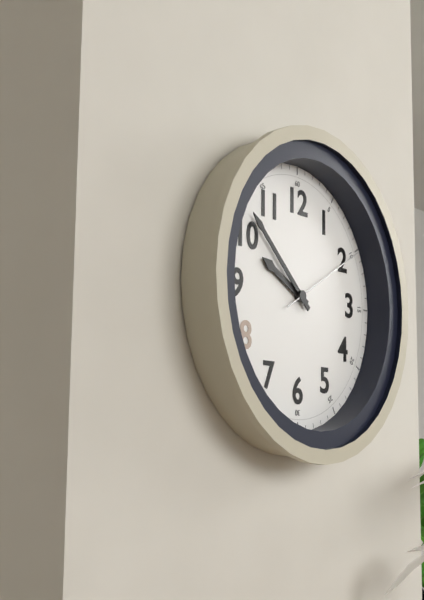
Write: 9:52:10
